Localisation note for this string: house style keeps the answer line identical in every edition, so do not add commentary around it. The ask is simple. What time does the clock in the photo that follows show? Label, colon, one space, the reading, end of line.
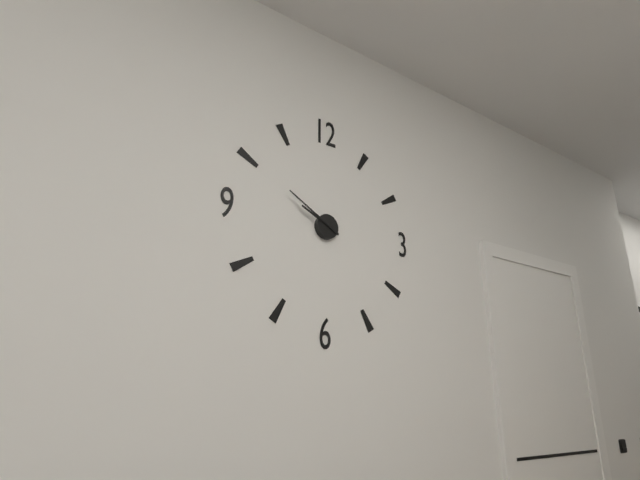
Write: 9:50
